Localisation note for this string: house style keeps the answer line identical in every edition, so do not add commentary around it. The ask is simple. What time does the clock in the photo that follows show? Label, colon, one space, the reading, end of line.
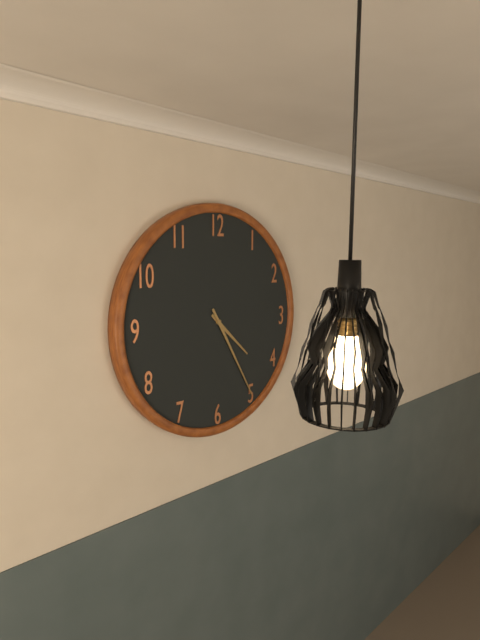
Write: 4:25
